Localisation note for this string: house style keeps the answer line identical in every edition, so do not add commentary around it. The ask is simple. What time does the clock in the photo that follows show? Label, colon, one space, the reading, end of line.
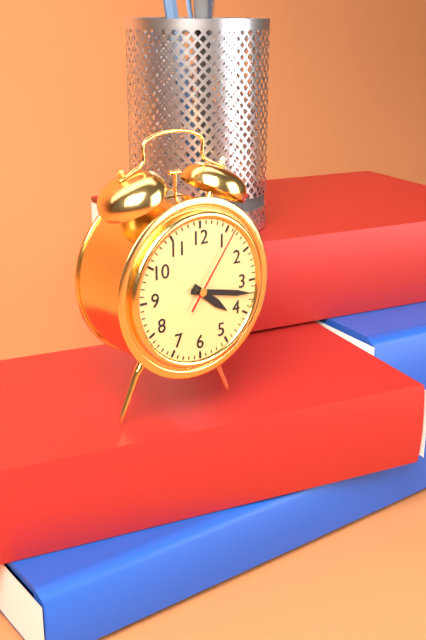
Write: 4:17:06
